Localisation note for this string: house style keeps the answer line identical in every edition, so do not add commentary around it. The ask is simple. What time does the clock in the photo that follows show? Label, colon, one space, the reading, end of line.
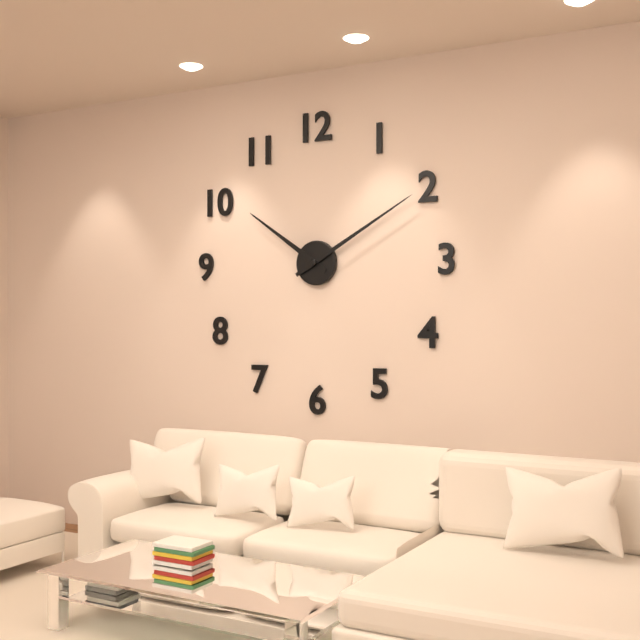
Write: 10:10
